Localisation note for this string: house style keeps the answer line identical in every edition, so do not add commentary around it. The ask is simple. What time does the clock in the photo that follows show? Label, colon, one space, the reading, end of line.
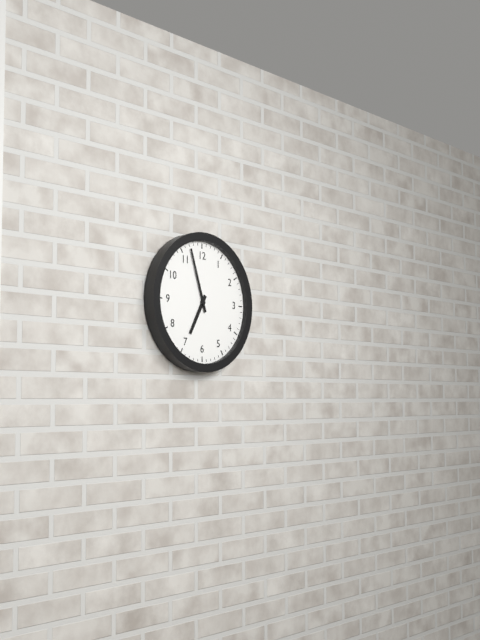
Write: 6:57
